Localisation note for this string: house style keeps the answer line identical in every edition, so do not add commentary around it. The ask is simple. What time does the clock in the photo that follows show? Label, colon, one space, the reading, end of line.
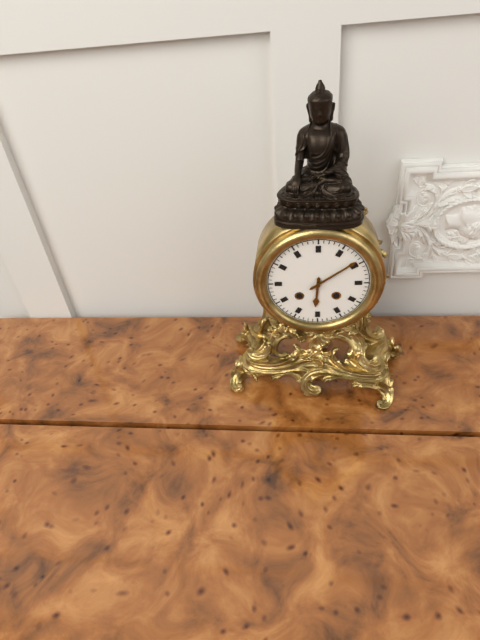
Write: 6:09
